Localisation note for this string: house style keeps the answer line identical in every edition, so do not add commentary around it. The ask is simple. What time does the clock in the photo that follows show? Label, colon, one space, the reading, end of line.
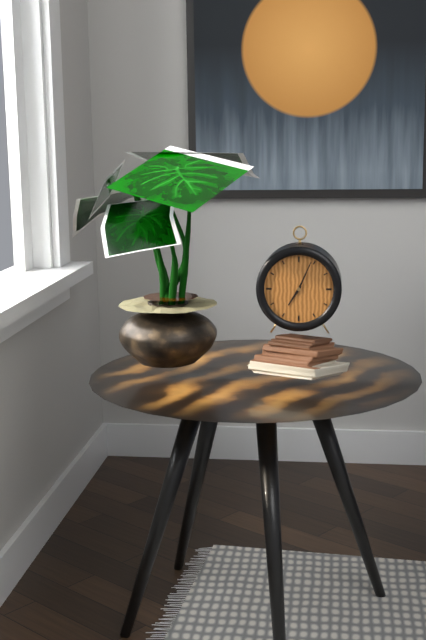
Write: 7:04
